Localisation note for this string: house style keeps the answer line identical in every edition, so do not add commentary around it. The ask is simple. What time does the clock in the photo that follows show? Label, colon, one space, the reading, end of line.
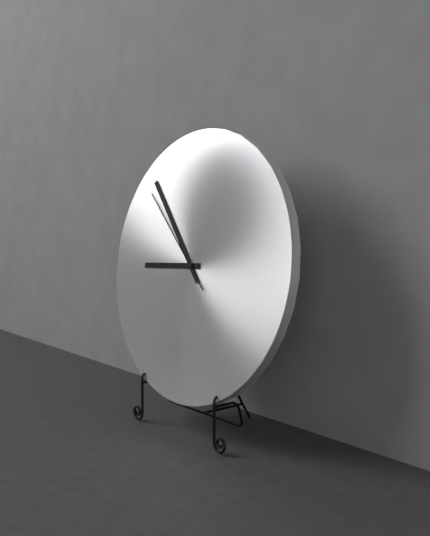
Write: 8:53:52
